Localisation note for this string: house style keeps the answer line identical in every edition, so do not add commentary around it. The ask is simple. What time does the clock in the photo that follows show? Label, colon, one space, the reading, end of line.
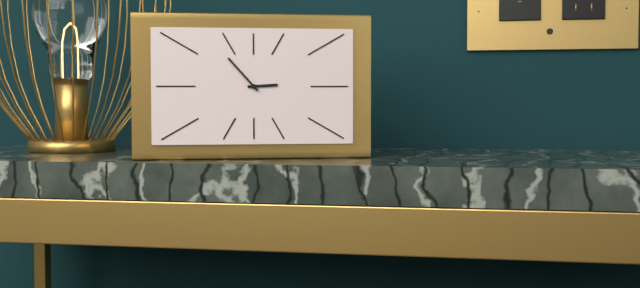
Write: 2:53
